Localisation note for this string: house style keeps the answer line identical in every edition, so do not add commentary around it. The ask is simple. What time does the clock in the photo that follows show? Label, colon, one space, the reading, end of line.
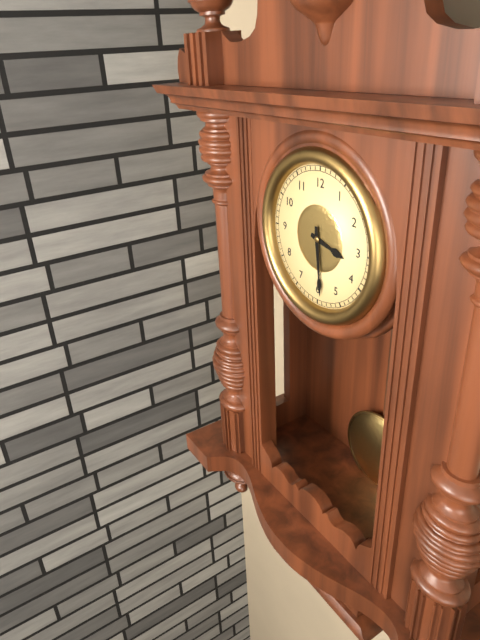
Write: 3:29
